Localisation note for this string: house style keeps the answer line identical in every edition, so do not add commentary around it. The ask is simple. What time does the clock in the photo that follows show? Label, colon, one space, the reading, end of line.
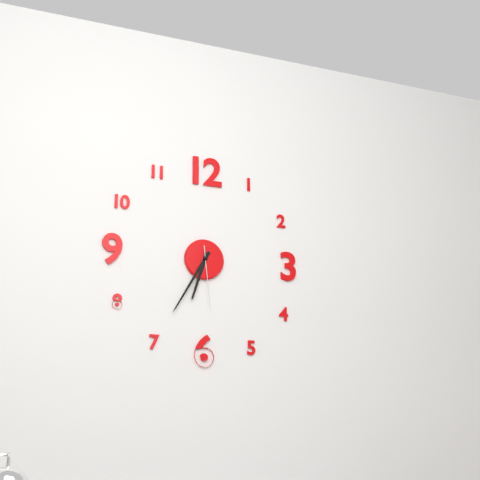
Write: 6:35:29
